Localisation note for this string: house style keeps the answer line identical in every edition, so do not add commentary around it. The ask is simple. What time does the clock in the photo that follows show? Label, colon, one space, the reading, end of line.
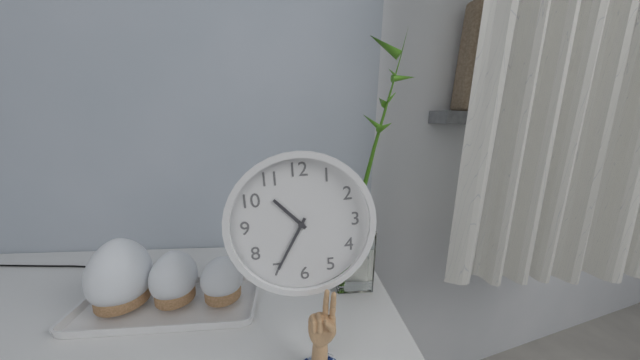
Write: 10:35
